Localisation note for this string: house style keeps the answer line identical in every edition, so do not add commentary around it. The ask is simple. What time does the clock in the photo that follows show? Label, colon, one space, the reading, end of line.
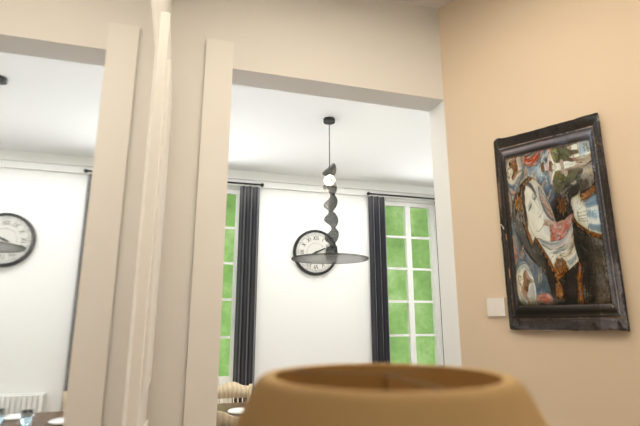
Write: 2:11
